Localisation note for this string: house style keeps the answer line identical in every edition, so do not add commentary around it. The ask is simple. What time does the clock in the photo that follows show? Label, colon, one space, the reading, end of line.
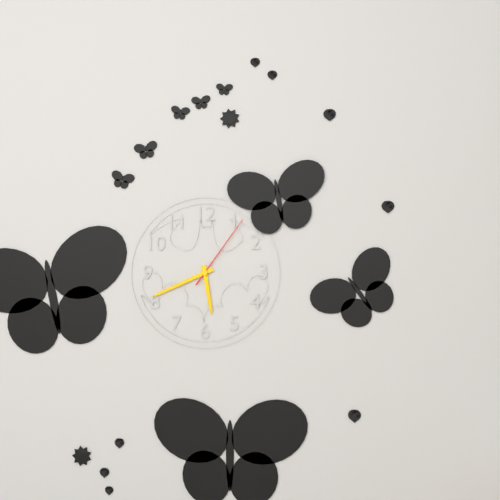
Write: 5:41:06
